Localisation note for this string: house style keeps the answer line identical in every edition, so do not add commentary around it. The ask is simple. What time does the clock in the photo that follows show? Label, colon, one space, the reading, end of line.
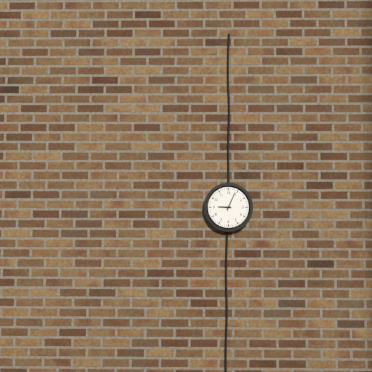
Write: 9:04
